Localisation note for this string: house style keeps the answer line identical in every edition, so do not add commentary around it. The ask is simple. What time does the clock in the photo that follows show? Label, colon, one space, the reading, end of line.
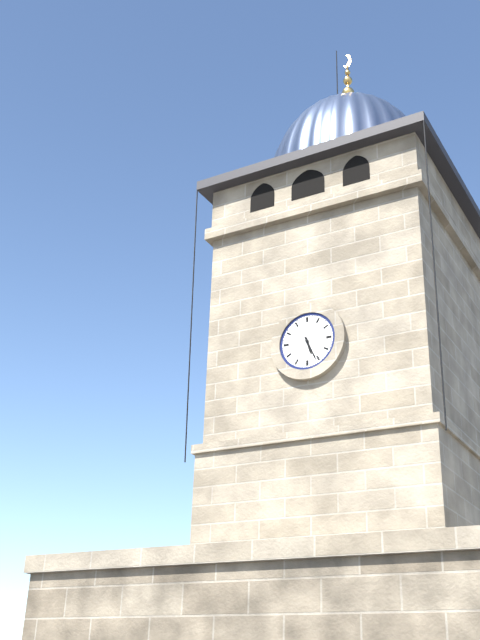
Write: 5:26
